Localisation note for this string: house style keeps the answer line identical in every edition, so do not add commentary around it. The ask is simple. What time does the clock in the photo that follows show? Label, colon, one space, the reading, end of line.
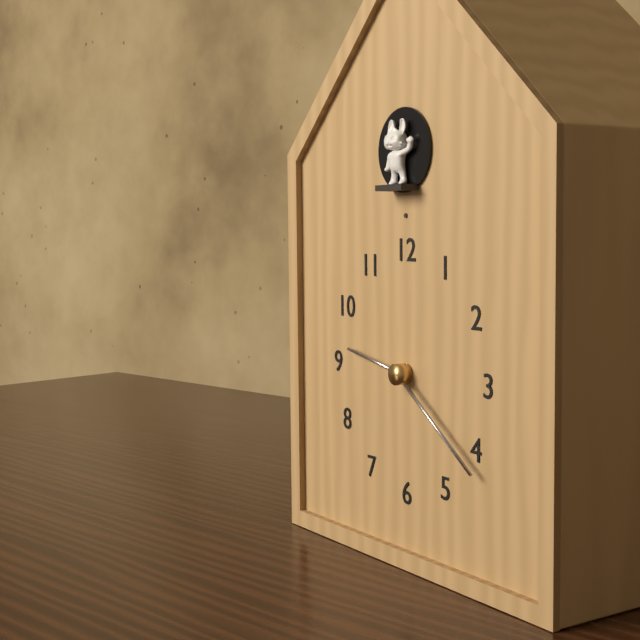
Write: 9:21
